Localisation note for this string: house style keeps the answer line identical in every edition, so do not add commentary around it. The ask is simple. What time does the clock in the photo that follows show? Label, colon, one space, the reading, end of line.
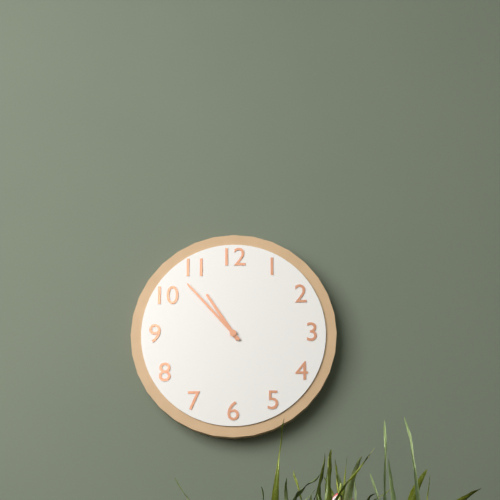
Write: 10:53
